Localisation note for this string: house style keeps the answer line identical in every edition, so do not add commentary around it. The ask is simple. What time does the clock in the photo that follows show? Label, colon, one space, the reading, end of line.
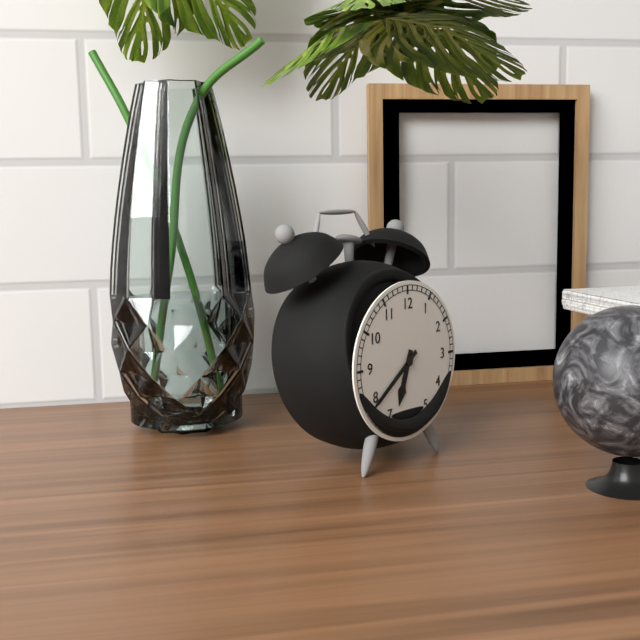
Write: 6:39
